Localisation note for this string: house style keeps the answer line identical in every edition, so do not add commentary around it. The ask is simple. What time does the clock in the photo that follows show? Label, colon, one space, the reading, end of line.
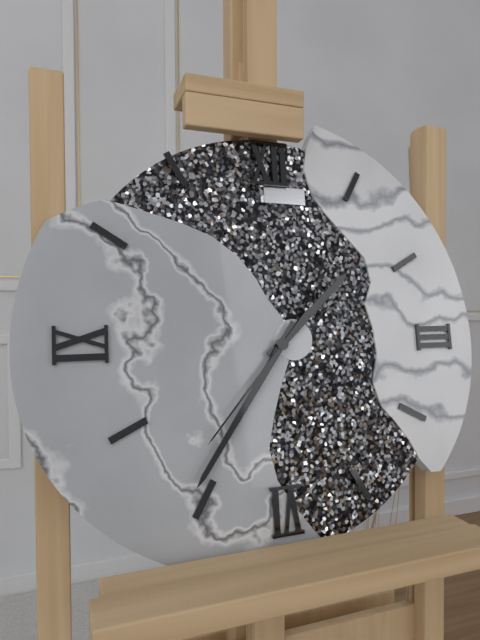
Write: 1:36:37
